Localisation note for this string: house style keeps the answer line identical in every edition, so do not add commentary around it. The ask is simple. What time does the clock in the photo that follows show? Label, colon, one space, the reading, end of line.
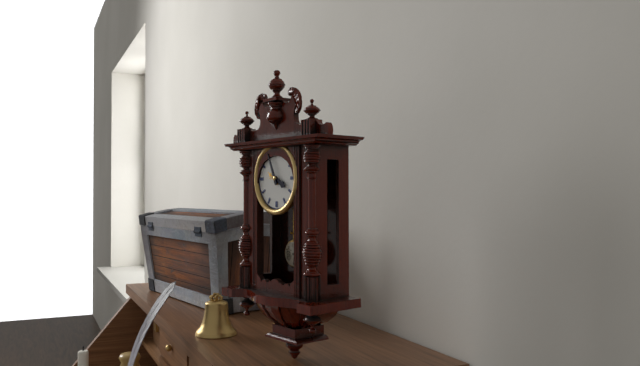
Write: 3:56
